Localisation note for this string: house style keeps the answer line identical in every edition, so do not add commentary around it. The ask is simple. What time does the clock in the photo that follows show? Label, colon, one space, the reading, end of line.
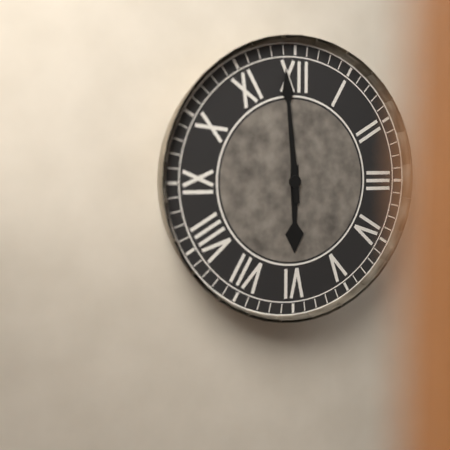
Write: 5:59
